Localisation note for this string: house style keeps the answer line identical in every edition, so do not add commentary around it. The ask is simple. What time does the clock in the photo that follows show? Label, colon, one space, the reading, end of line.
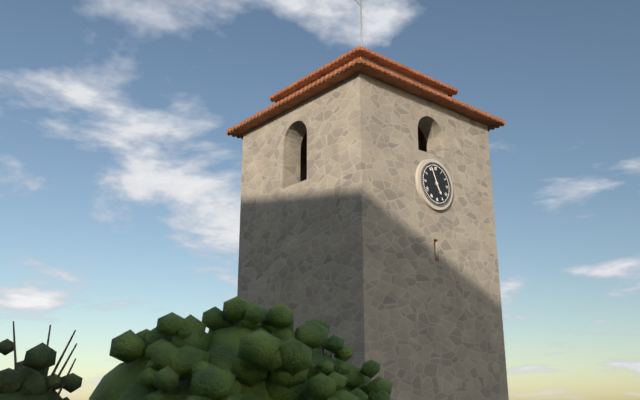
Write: 4:56
